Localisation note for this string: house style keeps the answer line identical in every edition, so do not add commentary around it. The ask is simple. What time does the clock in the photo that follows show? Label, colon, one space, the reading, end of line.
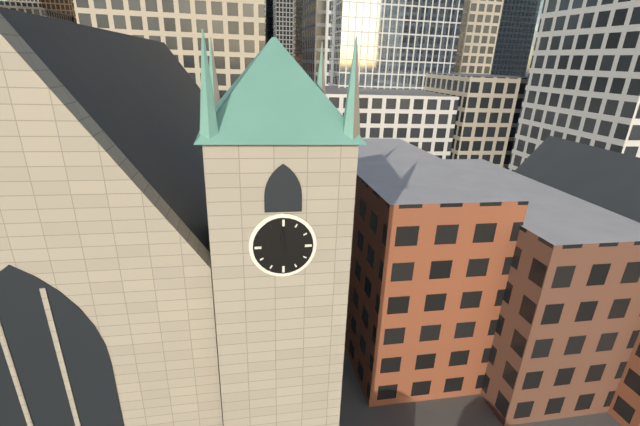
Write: 11:59
